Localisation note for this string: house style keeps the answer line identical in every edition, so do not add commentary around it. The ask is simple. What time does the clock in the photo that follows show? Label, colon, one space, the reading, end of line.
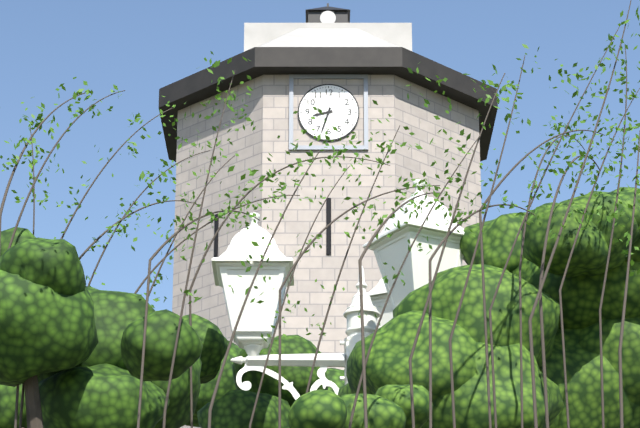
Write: 8:33
